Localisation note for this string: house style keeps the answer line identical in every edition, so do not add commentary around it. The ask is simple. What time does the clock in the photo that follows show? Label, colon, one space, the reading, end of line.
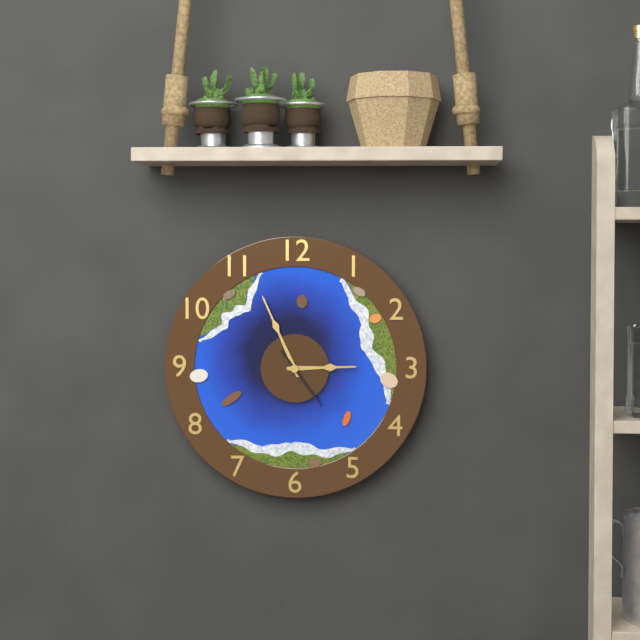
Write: 2:56:24
